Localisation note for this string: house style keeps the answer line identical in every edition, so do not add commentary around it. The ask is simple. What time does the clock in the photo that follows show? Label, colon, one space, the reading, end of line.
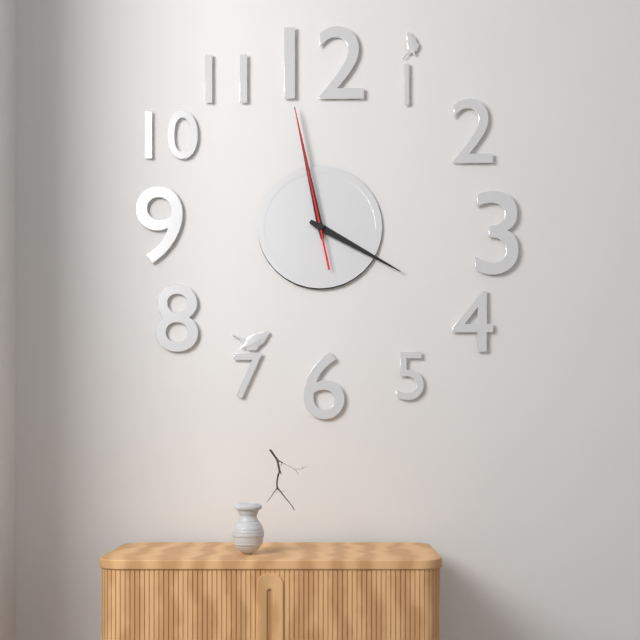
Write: 3:58:58
